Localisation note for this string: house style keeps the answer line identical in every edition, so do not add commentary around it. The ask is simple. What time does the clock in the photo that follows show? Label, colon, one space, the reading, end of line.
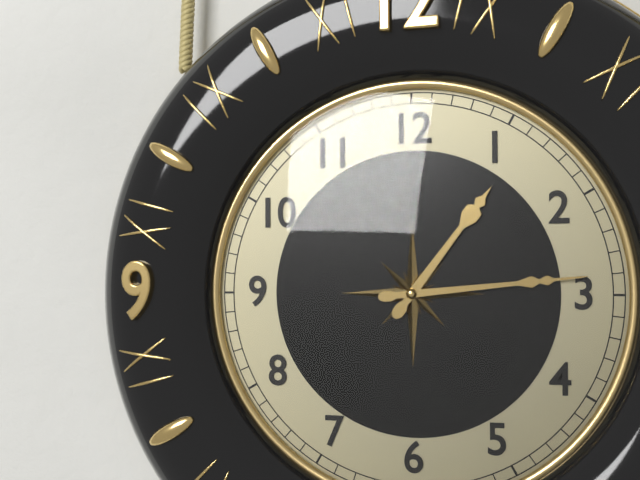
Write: 1:14
